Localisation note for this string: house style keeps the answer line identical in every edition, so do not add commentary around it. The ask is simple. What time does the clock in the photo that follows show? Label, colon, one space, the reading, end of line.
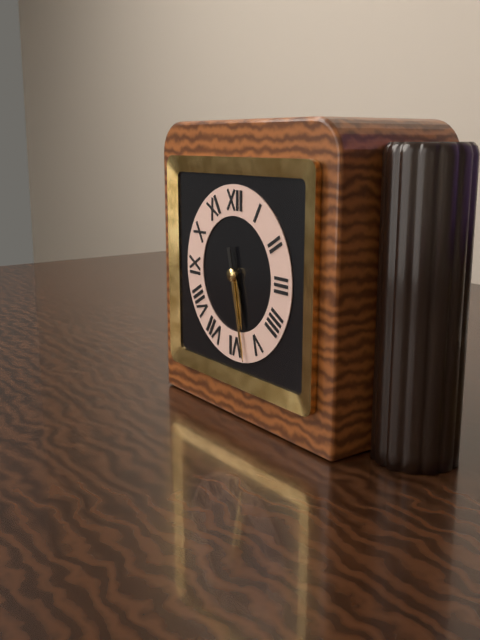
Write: 5:28
